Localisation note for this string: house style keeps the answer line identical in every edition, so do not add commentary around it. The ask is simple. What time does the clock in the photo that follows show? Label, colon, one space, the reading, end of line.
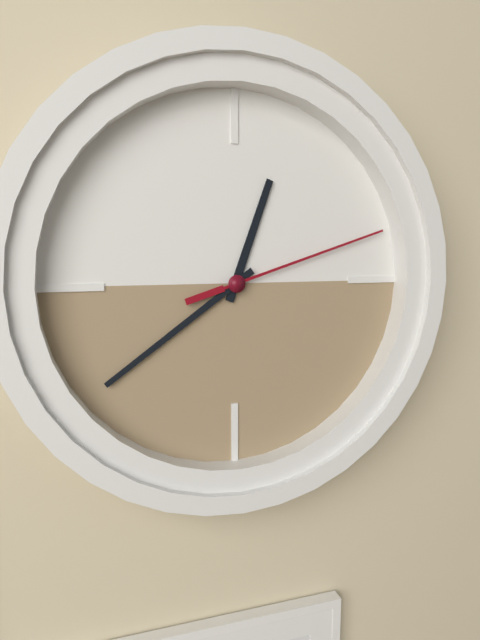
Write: 12:39:12
